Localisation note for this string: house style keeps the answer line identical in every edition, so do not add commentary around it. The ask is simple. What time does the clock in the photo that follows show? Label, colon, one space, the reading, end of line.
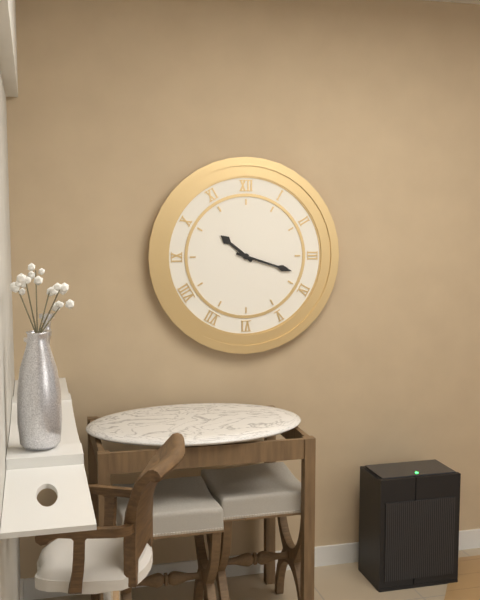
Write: 10:18
